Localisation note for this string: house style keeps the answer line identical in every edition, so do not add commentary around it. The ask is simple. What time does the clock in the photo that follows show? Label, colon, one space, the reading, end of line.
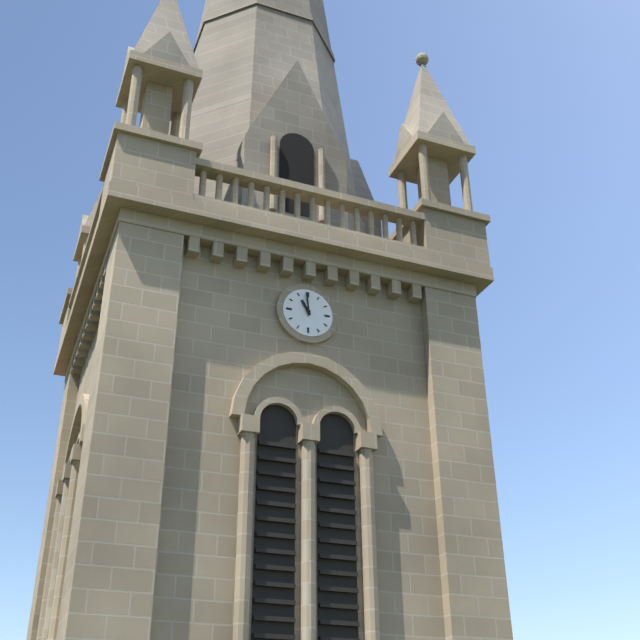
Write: 10:59
